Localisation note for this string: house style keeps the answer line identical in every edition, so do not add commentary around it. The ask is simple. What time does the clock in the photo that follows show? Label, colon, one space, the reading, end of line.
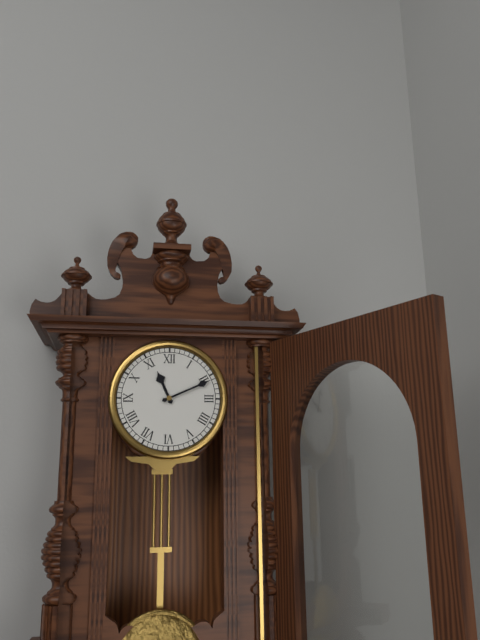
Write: 11:11
